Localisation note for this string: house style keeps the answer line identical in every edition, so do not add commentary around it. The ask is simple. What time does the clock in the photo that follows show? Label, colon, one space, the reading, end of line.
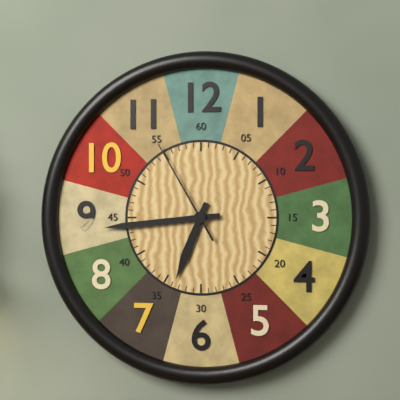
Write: 6:44:55
